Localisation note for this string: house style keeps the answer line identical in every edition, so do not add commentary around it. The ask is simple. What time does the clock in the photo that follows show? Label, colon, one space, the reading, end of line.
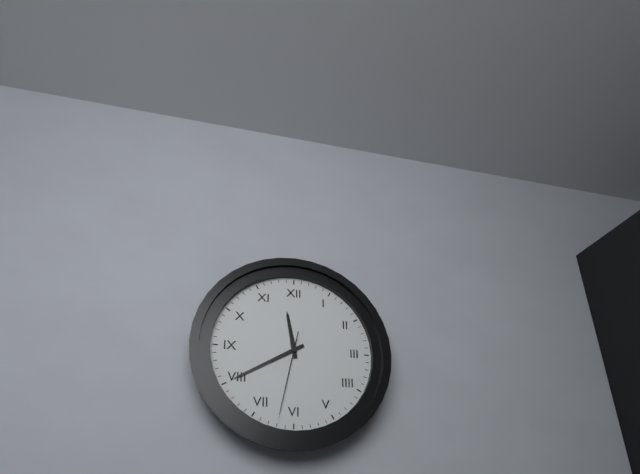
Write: 11:40:32
